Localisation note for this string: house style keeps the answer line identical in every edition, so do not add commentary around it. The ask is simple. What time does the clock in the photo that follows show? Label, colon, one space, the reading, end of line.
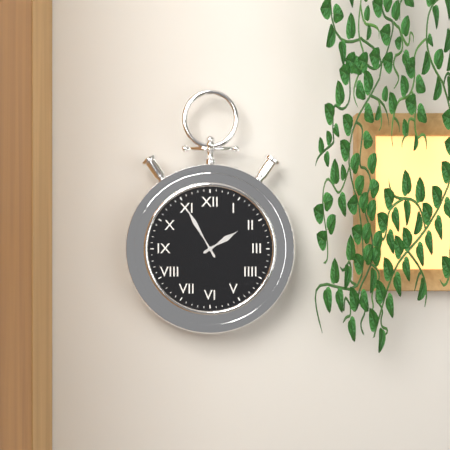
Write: 1:55
